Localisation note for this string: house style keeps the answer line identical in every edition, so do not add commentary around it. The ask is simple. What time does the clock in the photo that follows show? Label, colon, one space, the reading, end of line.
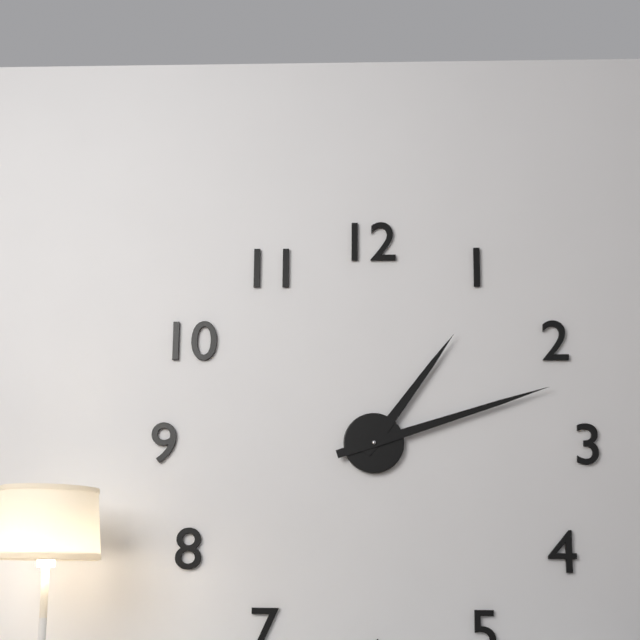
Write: 1:12
